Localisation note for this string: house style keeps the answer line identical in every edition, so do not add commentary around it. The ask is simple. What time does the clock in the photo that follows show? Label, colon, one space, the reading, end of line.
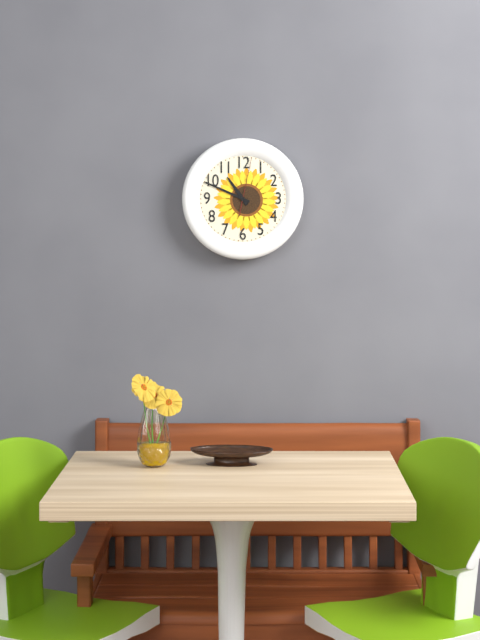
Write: 10:49:02
